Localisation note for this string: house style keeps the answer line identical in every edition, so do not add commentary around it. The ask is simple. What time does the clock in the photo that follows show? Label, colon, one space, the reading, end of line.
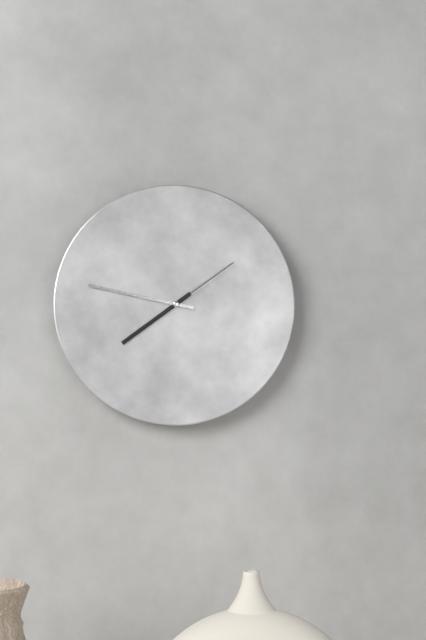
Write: 7:47:09
